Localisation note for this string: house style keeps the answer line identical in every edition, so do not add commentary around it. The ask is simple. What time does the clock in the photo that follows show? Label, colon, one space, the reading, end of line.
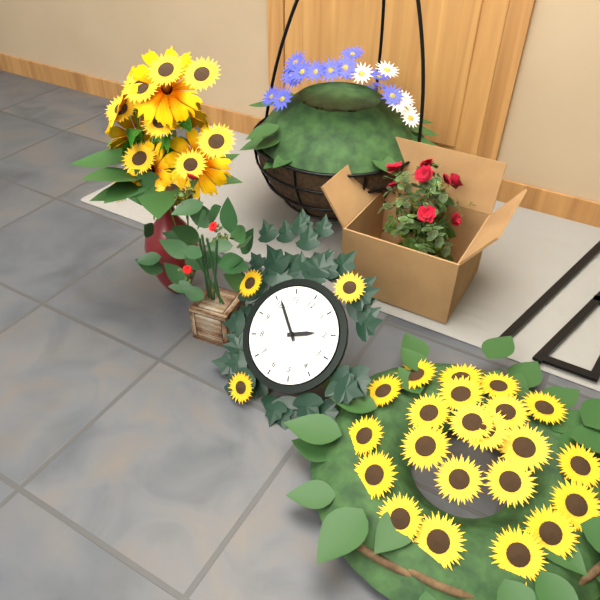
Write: 1:51
